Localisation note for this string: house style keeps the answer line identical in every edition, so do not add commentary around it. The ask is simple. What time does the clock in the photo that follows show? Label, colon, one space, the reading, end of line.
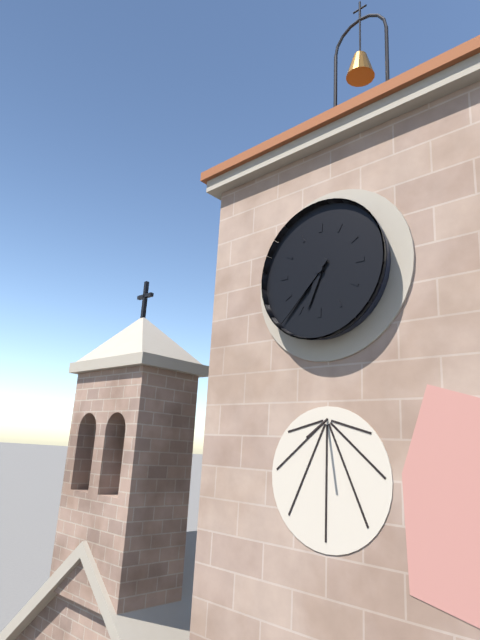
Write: 6:37
